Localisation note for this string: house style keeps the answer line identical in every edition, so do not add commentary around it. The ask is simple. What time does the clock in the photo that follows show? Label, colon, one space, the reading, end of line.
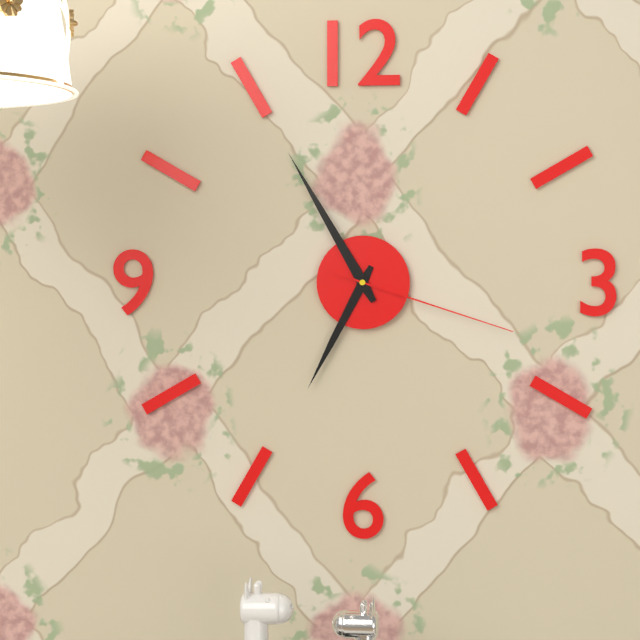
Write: 6:55:18
